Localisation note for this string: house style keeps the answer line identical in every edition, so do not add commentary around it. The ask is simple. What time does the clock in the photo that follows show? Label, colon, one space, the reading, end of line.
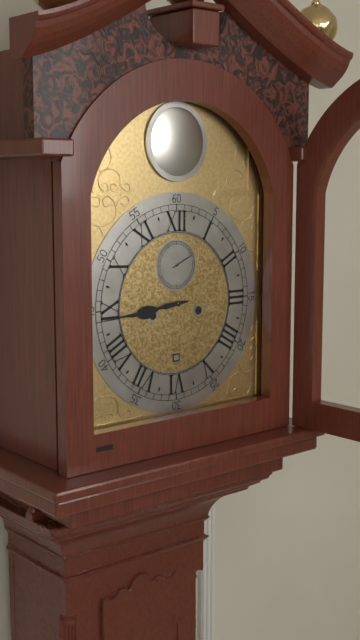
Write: 8:44
